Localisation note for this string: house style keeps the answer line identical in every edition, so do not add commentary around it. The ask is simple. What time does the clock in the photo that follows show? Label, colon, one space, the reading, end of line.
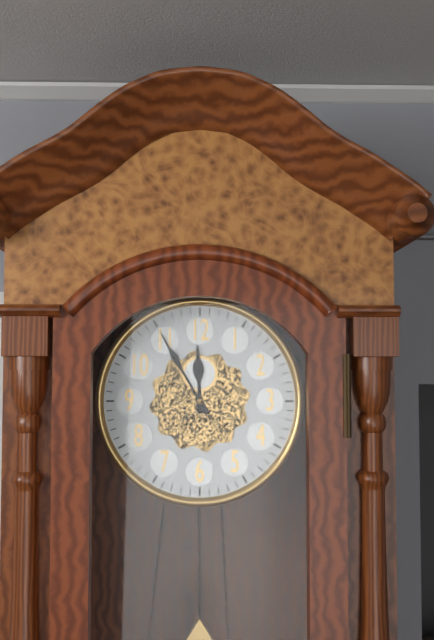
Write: 11:55
